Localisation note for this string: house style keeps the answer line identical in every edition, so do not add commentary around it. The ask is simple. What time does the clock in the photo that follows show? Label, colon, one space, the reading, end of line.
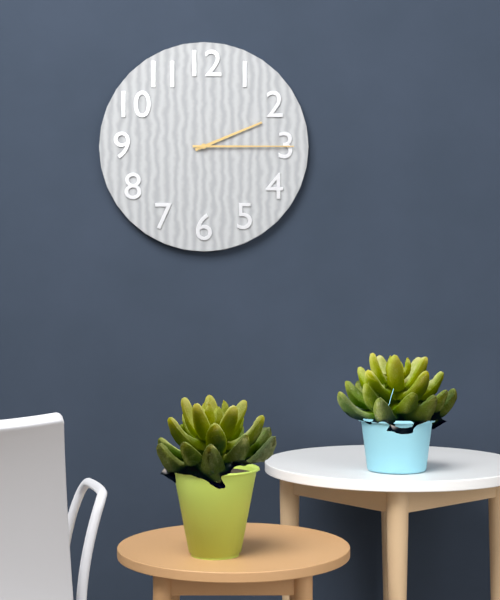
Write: 2:15
